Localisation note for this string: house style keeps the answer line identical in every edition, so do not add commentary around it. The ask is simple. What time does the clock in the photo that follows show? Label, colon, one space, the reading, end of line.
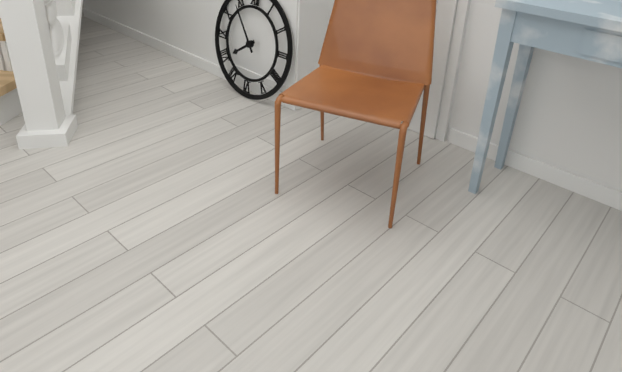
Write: 7:54
